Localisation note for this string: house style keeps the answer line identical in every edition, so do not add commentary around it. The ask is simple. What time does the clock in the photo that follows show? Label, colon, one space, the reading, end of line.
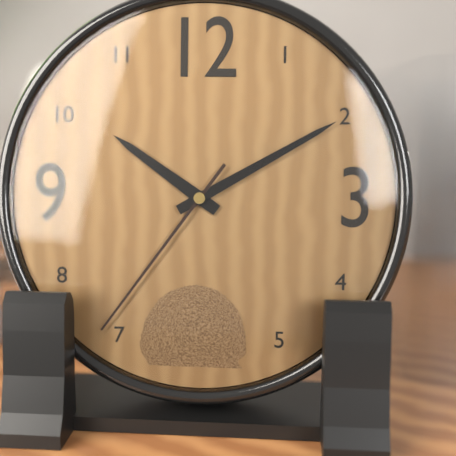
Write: 10:10:36
